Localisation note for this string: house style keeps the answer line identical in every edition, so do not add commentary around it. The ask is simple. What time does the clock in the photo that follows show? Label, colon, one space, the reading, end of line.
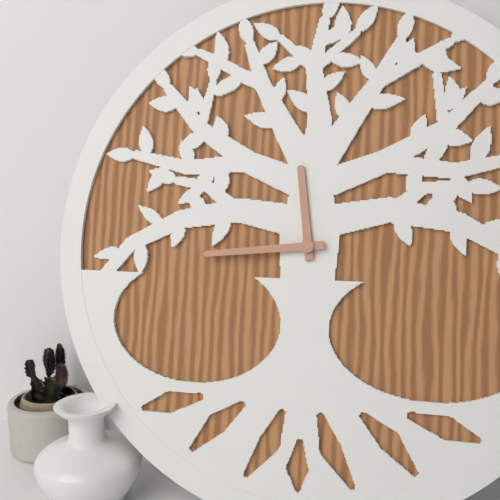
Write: 11:44
